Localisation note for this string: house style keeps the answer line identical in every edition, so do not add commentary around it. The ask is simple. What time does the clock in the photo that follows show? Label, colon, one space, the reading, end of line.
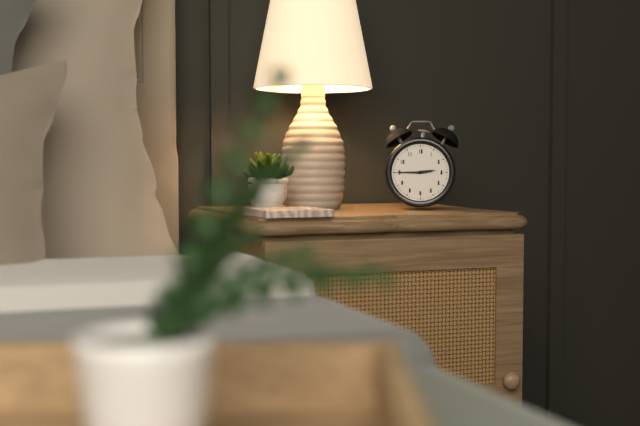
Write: 2:45
